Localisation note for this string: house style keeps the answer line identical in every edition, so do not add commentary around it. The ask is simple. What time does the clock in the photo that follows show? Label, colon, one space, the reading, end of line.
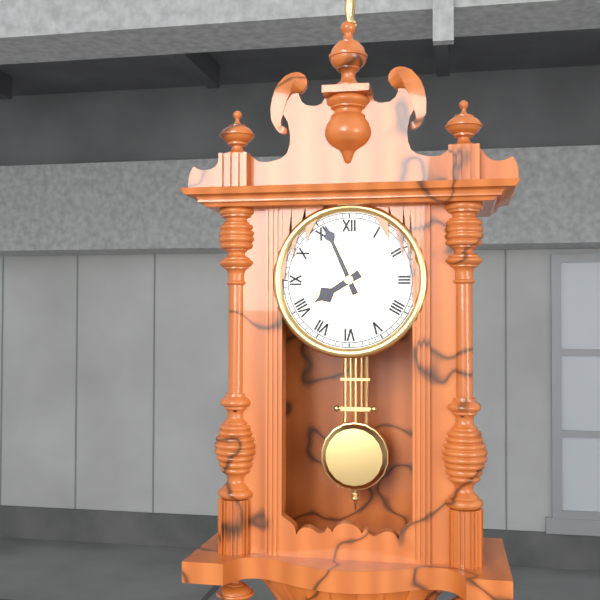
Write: 7:56
